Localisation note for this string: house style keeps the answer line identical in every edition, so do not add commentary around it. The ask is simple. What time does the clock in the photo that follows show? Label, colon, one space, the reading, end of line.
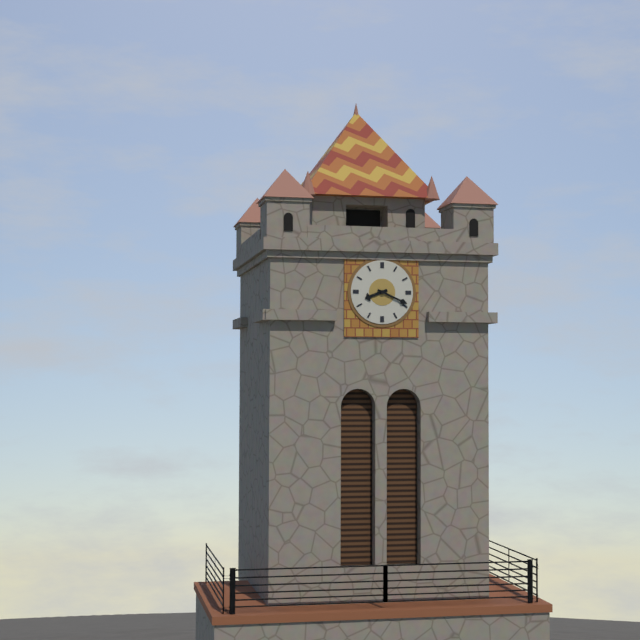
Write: 8:19
